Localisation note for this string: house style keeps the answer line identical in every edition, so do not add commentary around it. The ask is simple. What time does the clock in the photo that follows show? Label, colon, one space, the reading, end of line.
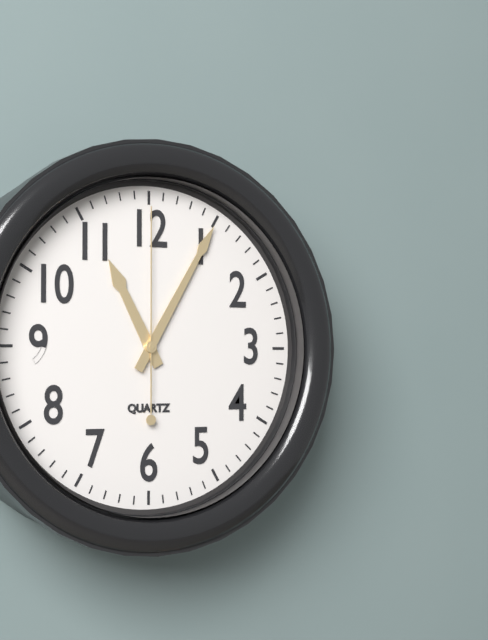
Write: 11:05:00
